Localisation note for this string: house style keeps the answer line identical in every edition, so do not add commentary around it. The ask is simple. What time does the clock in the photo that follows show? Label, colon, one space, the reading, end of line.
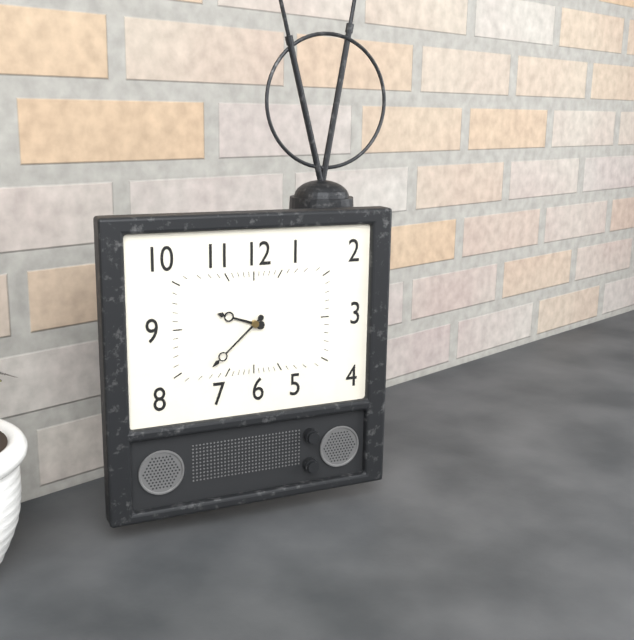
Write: 9:38
